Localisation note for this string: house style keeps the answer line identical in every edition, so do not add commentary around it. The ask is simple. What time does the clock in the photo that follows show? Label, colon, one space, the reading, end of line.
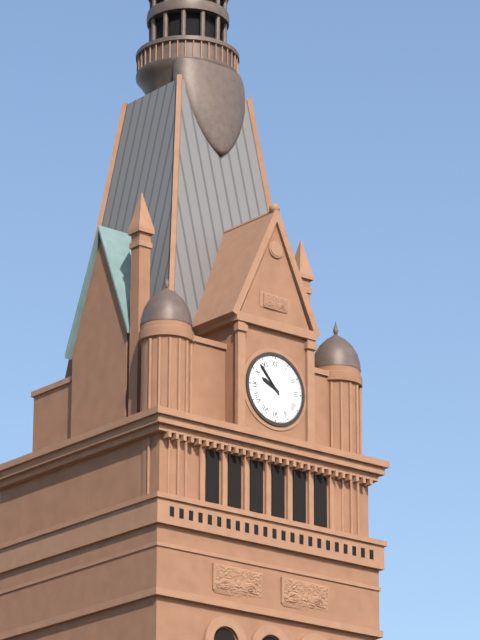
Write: 9:53
